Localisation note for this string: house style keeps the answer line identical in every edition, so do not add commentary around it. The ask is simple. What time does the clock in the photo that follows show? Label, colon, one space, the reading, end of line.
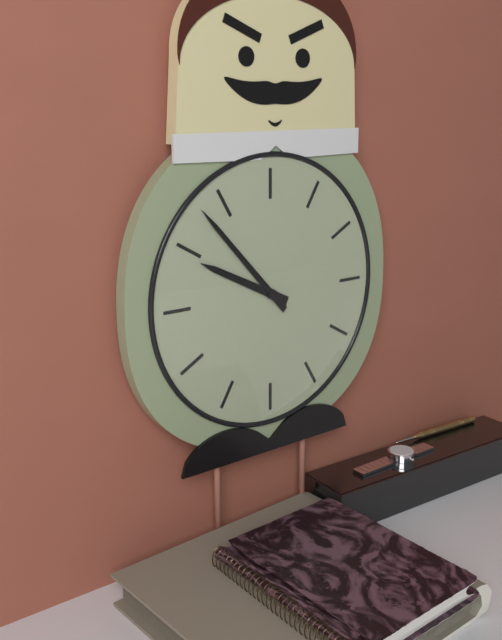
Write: 9:53
